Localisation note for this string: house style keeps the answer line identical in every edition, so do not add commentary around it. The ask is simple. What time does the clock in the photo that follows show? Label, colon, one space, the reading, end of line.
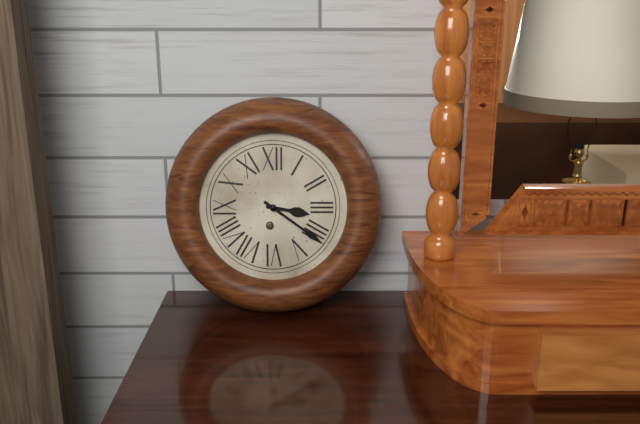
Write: 3:21
